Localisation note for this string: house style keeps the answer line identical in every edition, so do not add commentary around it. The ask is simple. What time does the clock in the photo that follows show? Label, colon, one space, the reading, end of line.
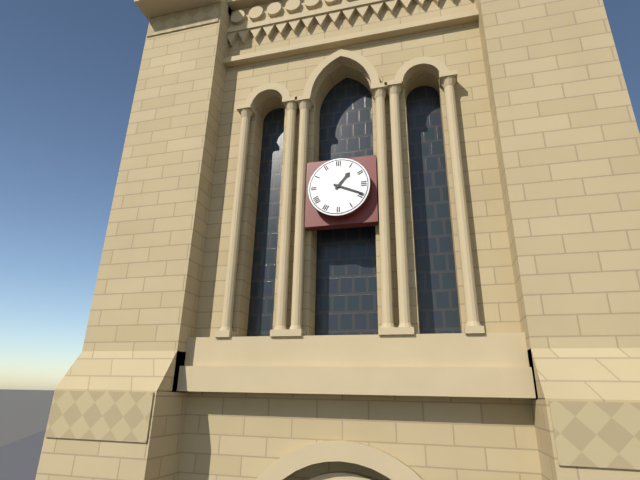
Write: 1:19
